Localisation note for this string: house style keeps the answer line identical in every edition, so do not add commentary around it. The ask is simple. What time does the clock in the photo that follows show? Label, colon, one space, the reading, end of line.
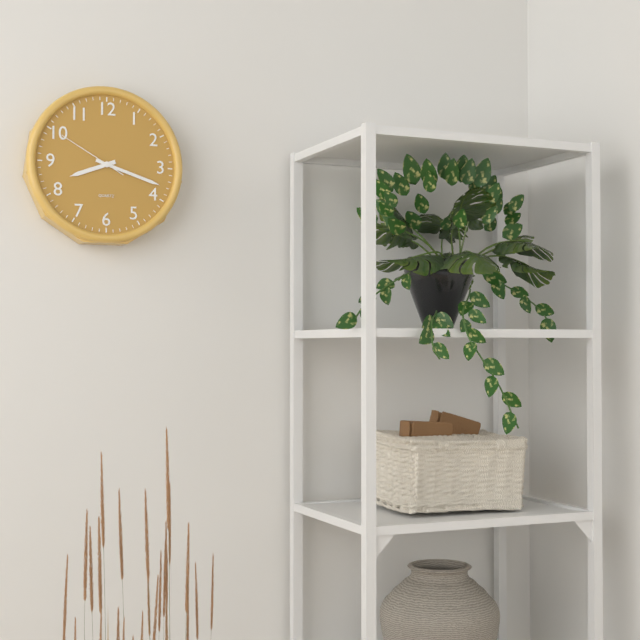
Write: 8:18:50
